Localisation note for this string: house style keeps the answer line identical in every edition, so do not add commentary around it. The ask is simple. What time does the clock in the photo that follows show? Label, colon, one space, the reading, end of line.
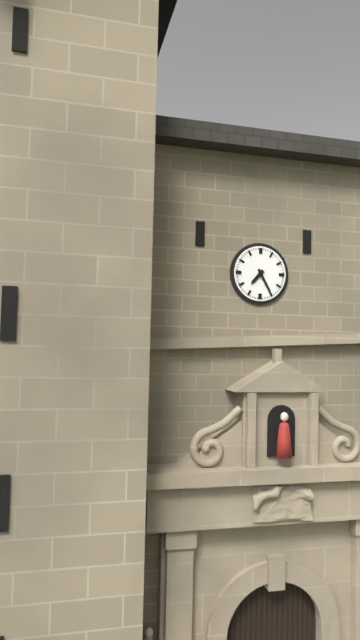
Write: 7:25
